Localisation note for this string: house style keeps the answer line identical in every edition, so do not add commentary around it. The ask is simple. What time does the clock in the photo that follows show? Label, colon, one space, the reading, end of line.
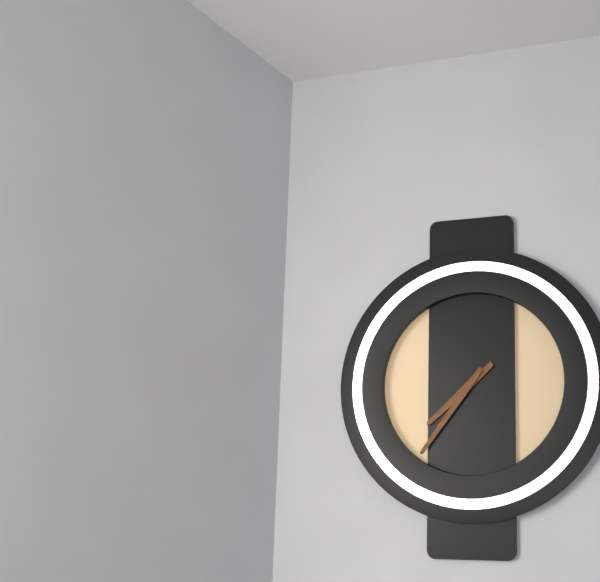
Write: 7:36
